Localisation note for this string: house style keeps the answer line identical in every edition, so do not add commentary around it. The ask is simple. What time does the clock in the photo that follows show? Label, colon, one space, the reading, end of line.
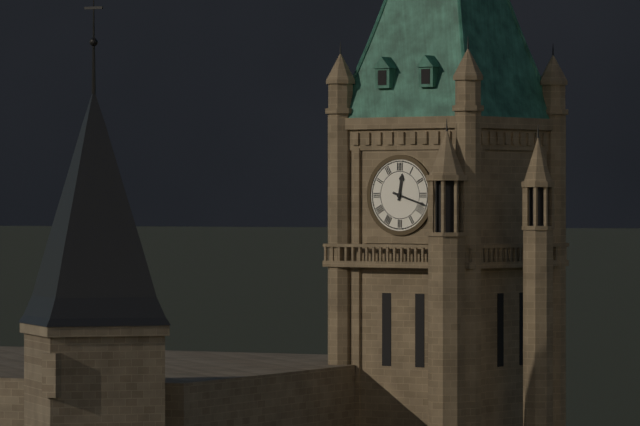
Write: 12:18
